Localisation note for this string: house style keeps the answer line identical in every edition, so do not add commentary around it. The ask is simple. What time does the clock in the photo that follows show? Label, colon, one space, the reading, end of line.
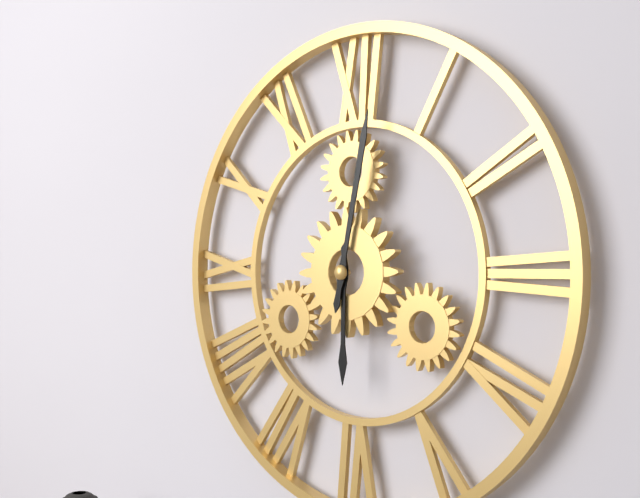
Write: 6:02
